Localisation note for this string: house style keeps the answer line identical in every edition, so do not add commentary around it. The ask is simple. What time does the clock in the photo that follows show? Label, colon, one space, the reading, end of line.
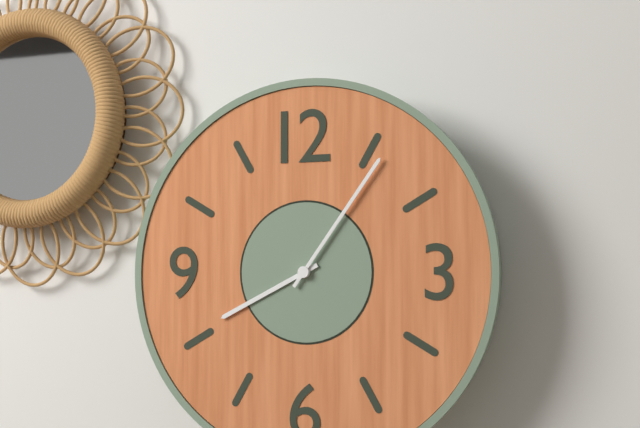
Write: 8:06
